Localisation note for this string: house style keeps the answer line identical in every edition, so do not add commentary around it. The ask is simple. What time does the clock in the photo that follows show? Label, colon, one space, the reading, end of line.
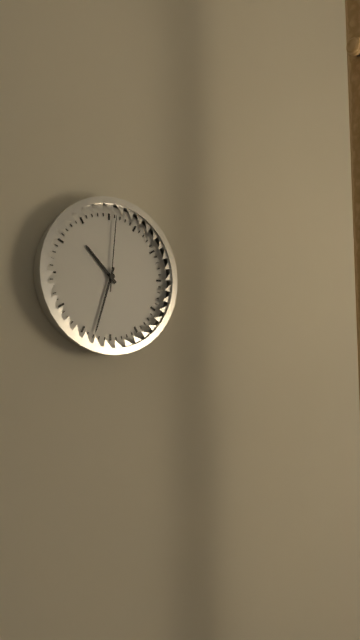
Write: 10:33:01
